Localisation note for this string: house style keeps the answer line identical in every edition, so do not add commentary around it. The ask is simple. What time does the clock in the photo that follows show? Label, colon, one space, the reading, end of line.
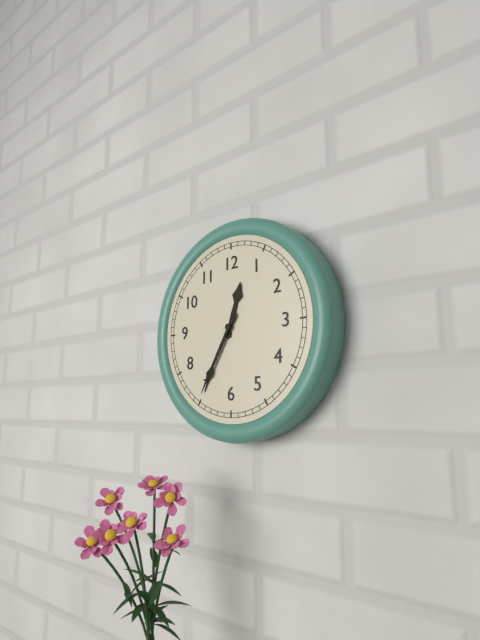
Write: 12:35
